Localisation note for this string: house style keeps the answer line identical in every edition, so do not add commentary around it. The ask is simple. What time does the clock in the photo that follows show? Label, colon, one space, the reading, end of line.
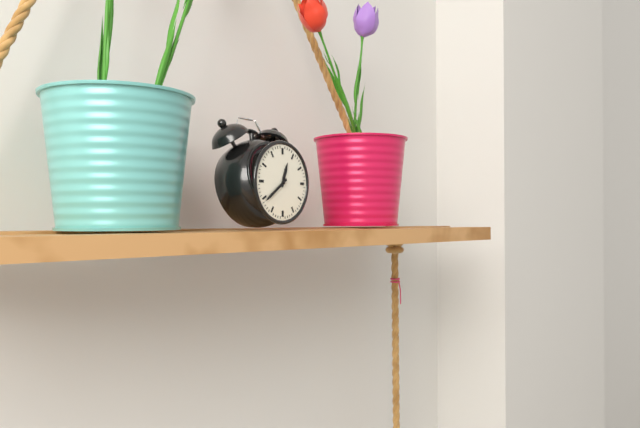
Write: 12:39
